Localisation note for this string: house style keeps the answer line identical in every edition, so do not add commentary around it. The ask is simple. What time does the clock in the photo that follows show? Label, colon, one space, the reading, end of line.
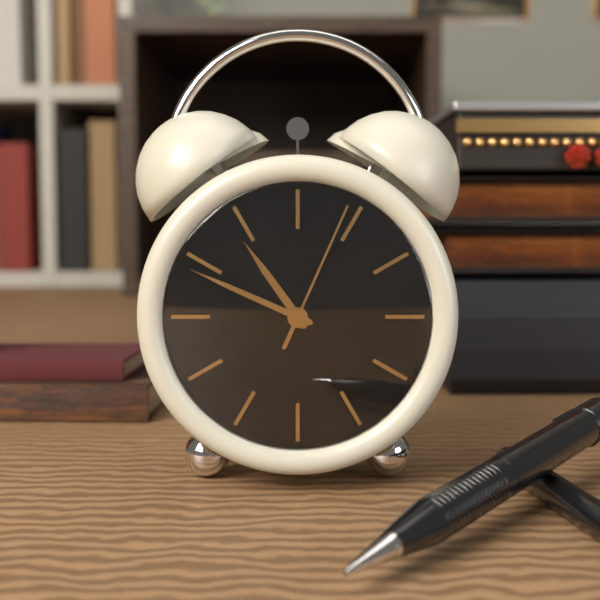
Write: 10:49:04
